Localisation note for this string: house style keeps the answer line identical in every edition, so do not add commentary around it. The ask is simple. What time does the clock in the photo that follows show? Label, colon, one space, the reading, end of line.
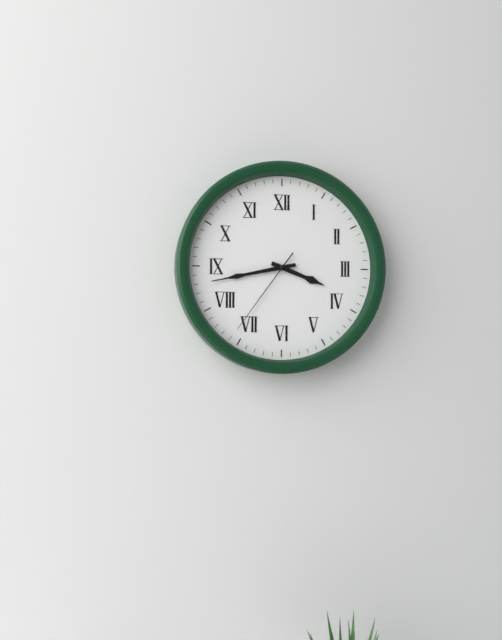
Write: 3:43:36
